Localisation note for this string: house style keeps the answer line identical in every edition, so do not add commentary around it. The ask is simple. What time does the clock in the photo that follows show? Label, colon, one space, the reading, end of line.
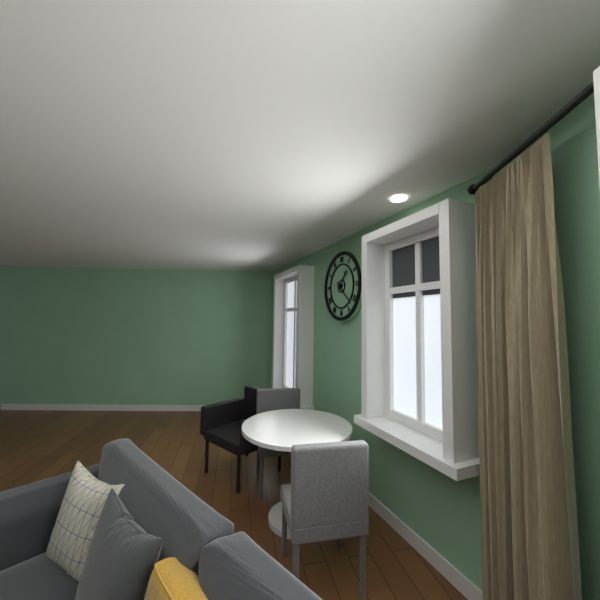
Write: 1:22
